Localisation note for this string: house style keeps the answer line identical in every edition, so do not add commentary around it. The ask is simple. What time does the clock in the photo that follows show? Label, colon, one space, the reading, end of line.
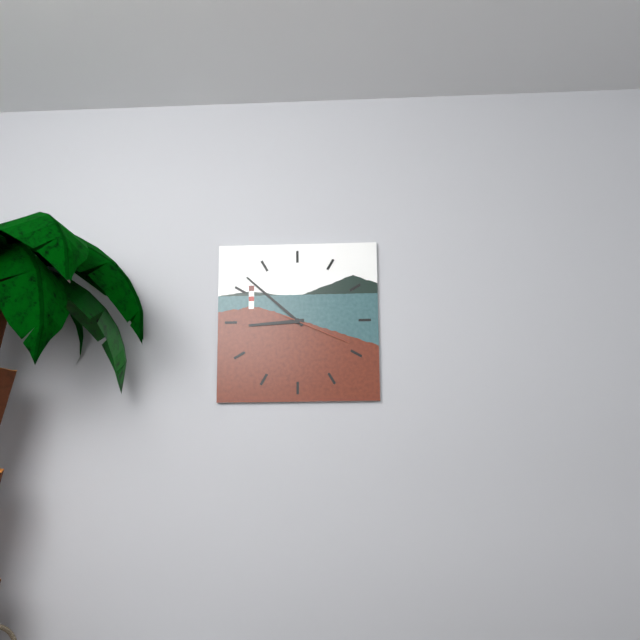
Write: 8:52:19
